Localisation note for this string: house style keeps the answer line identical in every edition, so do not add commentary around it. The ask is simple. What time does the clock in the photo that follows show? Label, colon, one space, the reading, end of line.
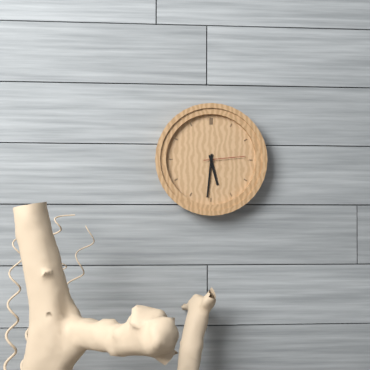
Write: 5:31
